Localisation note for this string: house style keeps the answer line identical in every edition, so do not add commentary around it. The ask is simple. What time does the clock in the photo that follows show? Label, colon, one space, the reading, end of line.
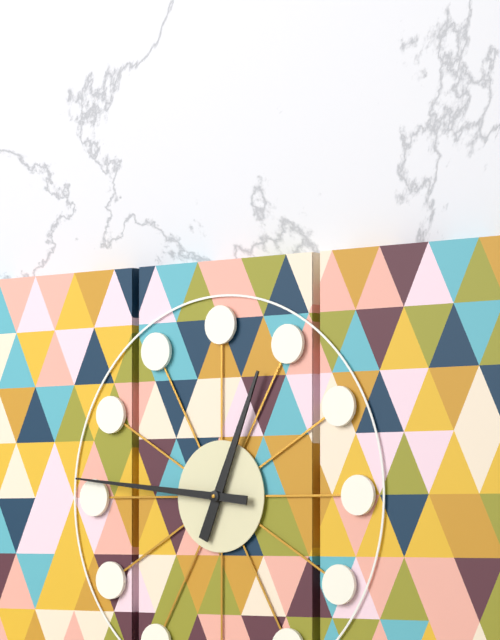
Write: 12:46
